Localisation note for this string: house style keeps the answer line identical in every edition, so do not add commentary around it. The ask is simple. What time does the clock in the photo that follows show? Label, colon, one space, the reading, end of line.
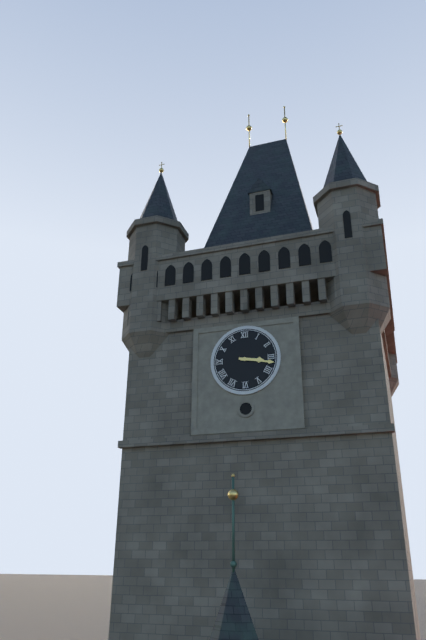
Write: 3:17
